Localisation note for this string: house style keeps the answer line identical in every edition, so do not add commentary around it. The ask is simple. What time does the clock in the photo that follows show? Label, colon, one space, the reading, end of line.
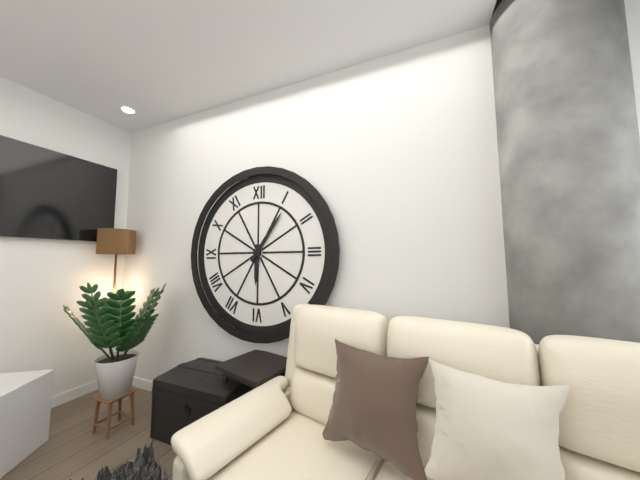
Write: 6:06
